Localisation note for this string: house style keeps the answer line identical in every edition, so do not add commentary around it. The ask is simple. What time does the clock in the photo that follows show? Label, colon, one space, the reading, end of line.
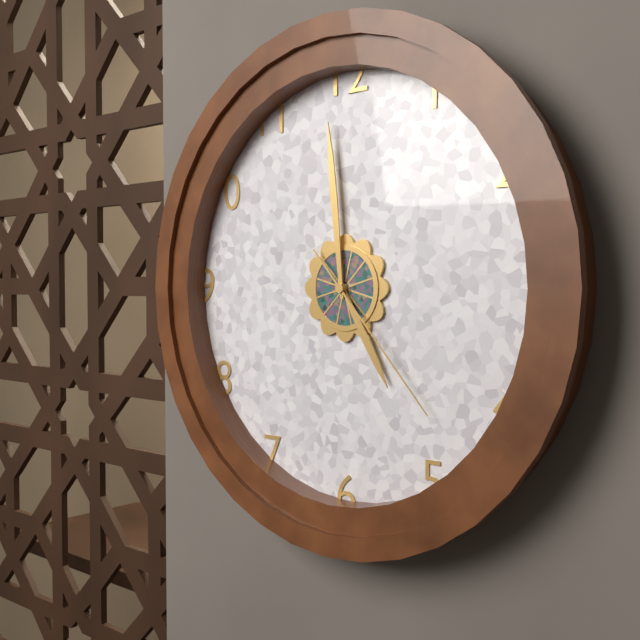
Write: 4:59:23
